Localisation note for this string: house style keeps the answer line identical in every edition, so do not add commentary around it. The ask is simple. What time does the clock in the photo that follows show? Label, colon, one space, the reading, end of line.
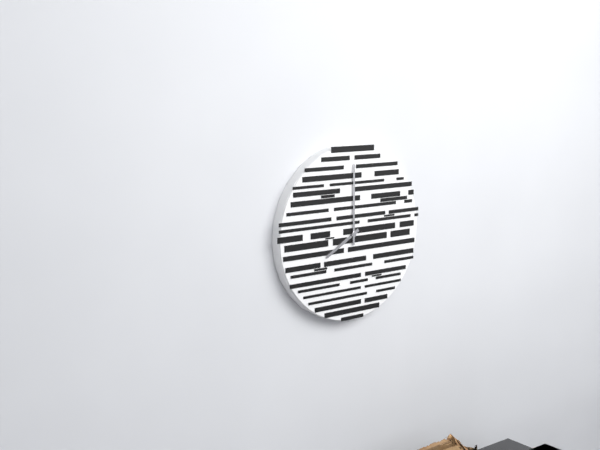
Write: 8:00
